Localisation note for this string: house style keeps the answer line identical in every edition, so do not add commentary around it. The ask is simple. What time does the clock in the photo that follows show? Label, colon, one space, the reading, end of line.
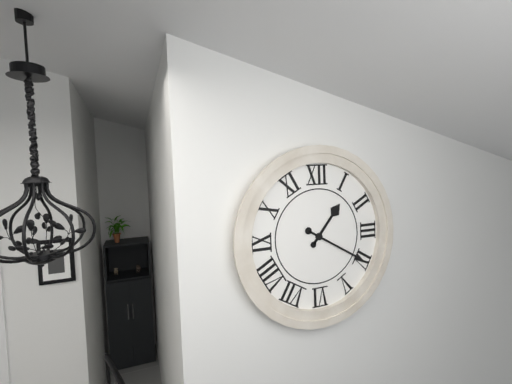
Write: 1:20
